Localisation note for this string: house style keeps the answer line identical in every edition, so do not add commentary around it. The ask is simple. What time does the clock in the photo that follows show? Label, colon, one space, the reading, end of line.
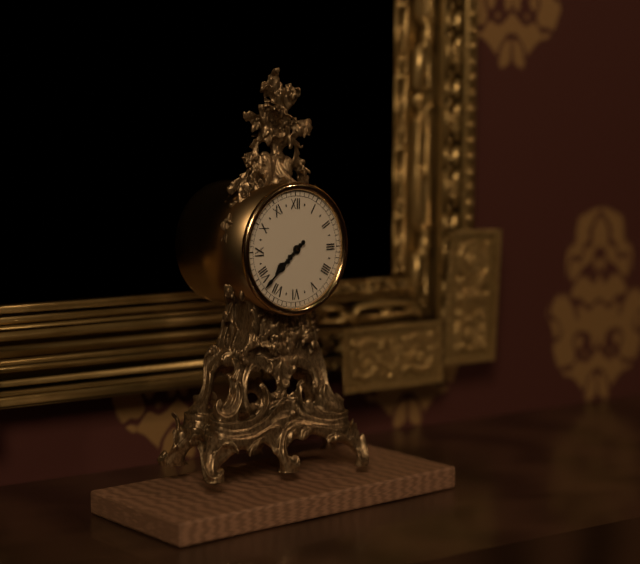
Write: 7:38
